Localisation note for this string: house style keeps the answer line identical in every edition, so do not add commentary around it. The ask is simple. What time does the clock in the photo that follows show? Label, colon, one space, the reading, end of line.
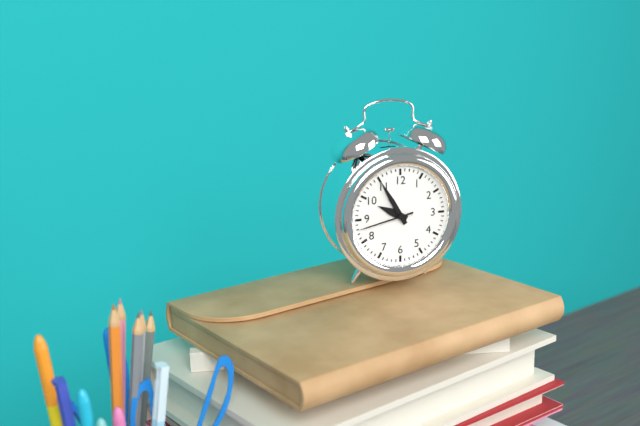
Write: 9:55:43
